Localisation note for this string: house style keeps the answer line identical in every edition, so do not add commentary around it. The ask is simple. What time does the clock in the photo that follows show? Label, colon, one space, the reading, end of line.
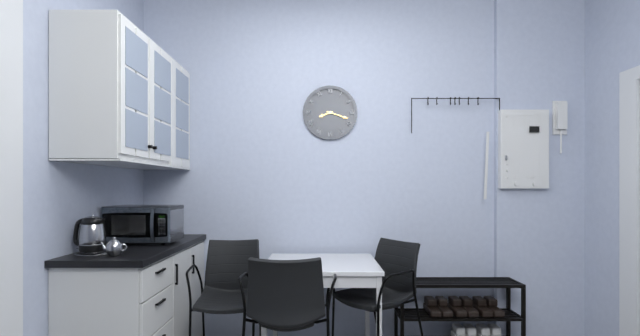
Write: 8:18
